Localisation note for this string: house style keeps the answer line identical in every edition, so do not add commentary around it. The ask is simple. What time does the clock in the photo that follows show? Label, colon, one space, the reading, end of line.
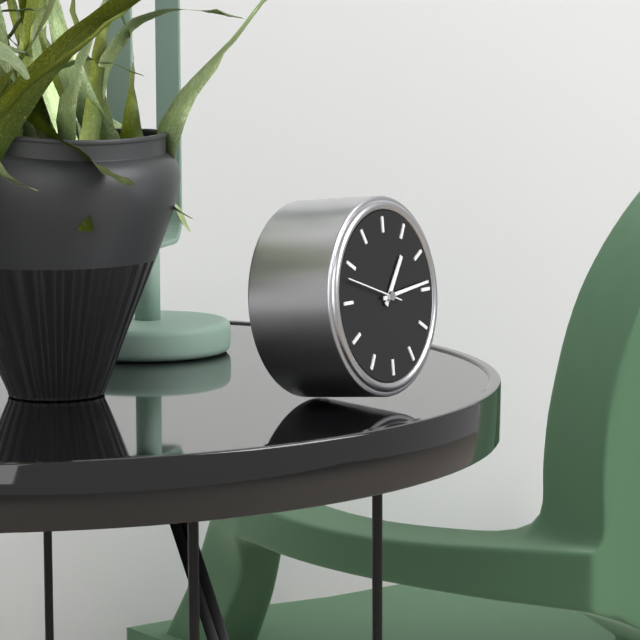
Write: 1:14:48
